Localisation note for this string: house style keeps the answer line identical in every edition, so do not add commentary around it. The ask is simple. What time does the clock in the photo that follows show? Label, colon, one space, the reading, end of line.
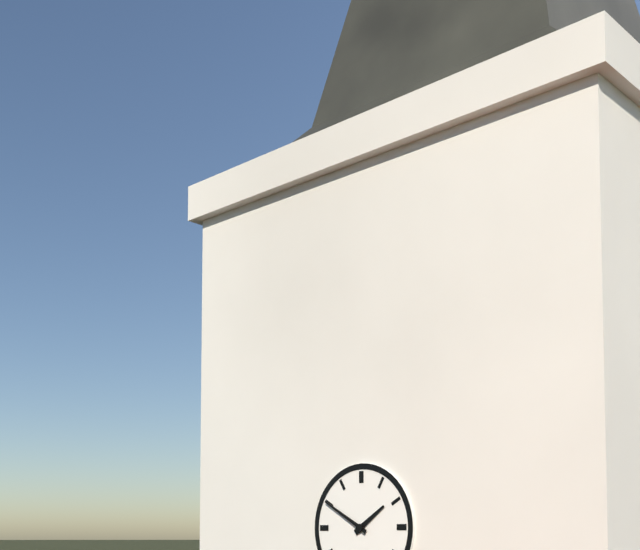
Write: 1:50
